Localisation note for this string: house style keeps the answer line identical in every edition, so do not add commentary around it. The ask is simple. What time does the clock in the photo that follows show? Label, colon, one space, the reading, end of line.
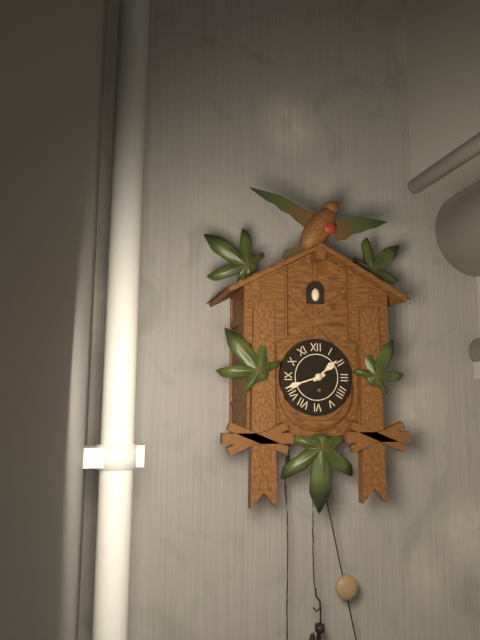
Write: 1:42
